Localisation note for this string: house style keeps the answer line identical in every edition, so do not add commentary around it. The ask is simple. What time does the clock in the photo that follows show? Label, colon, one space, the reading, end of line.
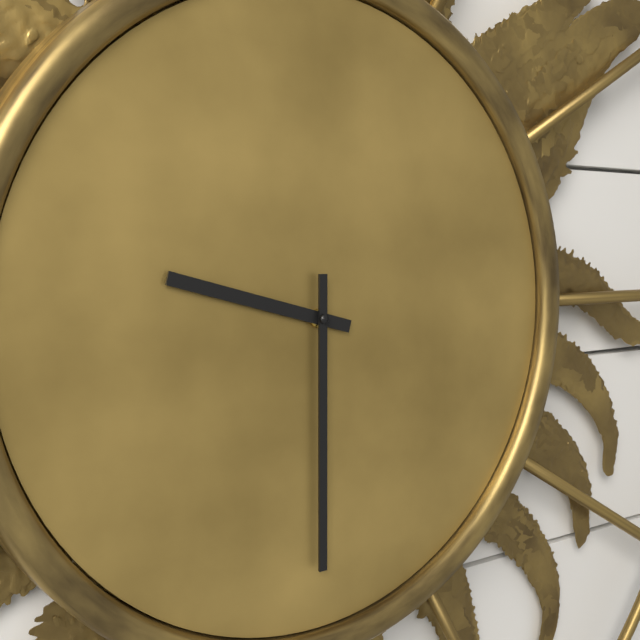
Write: 9:30
